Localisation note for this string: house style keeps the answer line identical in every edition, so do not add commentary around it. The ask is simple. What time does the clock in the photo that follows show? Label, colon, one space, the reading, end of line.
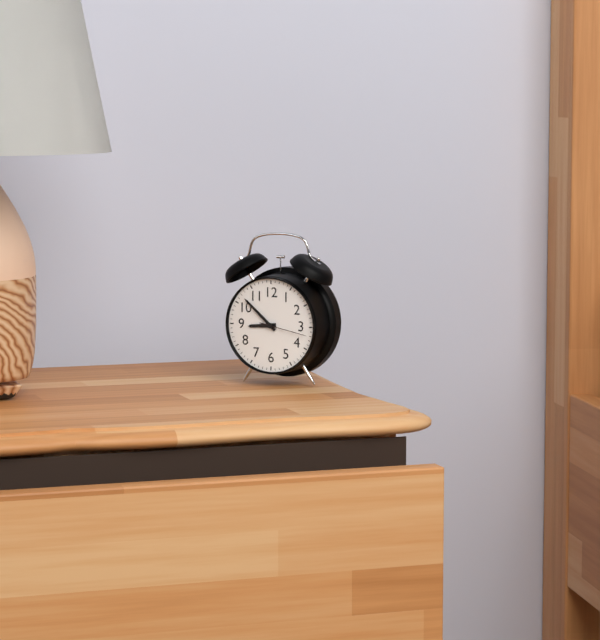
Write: 8:52
